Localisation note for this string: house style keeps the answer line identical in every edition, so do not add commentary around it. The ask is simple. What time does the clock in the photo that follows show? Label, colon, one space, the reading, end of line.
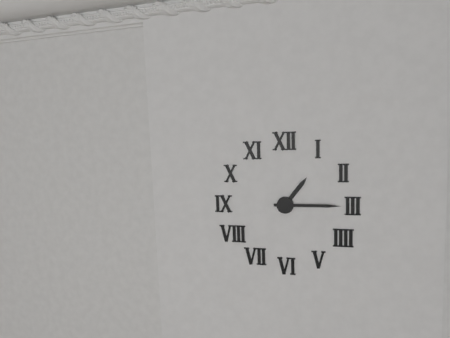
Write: 1:15
